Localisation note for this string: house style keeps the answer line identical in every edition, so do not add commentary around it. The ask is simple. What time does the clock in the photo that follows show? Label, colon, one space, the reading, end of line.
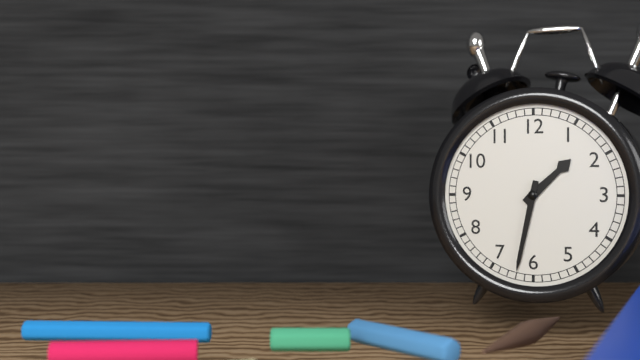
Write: 1:32
